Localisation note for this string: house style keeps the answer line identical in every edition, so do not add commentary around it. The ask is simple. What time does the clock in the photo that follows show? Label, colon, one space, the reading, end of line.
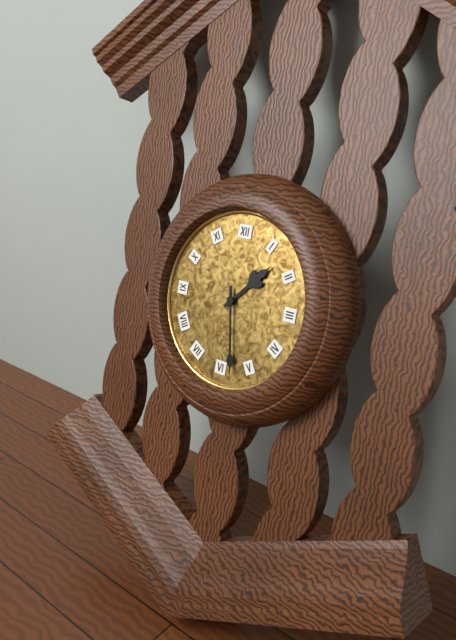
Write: 1:28
